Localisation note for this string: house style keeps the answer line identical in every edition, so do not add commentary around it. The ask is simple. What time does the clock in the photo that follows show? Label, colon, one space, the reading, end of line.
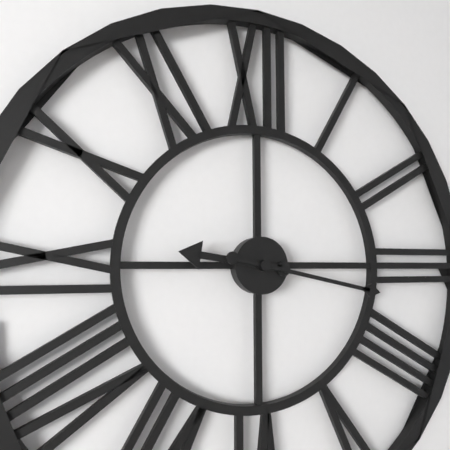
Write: 9:17
